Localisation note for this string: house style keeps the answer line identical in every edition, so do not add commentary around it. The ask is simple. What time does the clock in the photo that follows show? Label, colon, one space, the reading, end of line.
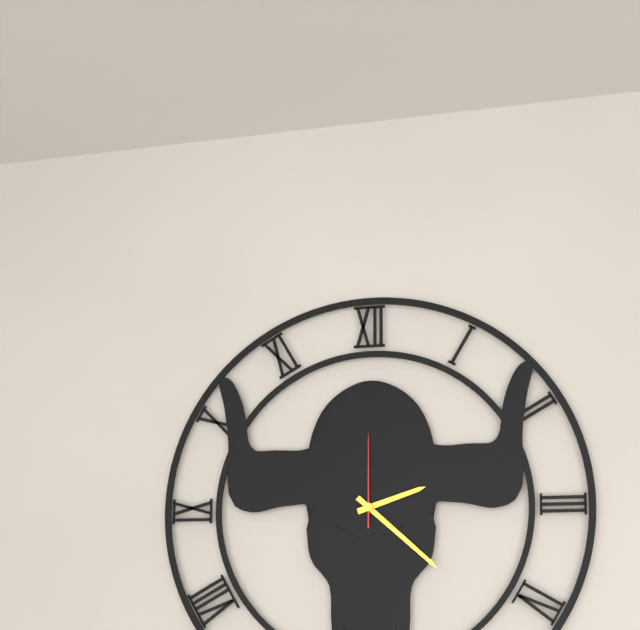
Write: 2:22:00
